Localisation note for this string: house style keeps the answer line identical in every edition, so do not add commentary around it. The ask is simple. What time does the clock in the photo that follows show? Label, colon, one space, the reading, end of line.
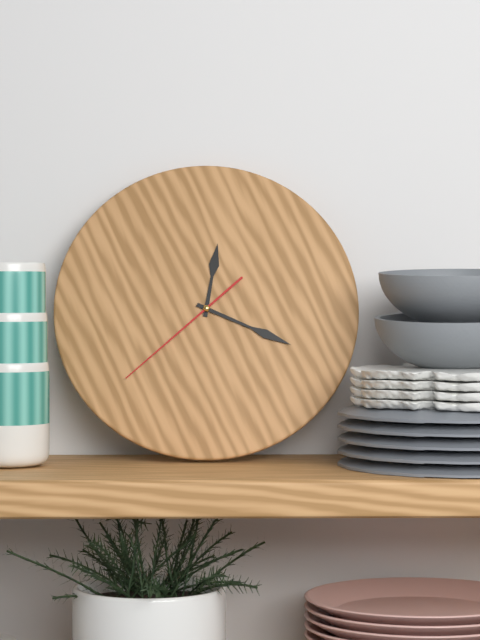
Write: 12:19:38
